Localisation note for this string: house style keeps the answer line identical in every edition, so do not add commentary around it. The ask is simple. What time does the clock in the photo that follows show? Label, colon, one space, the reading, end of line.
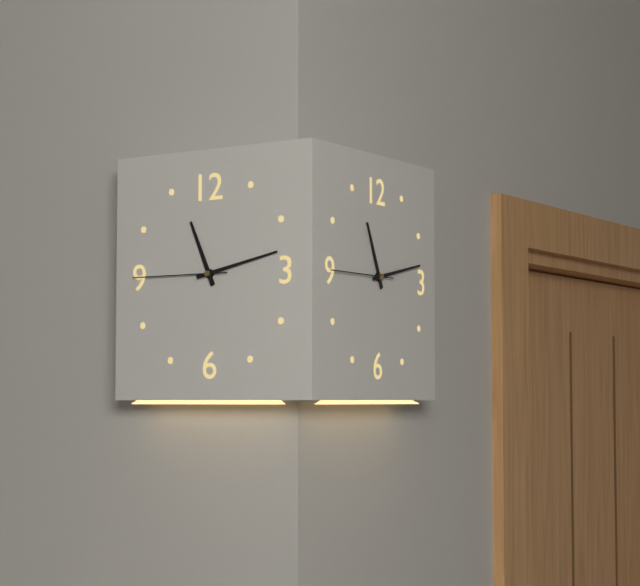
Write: 11:13:45
